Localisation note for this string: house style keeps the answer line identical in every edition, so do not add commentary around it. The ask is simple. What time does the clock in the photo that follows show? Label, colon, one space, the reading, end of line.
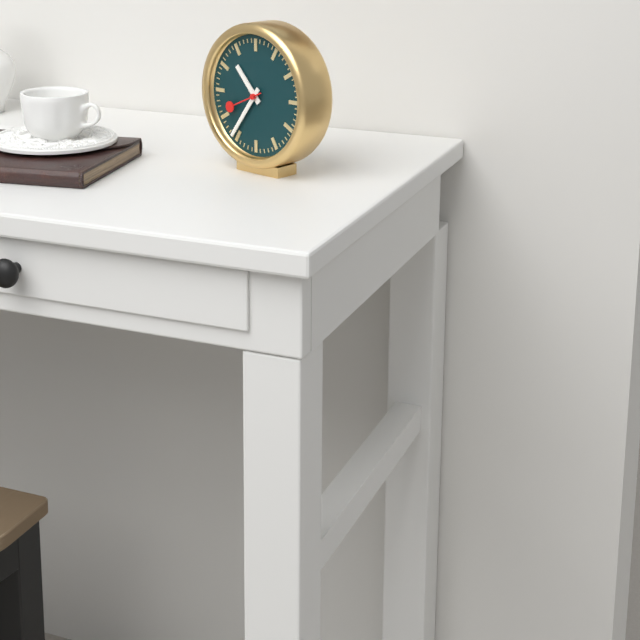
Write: 10:36:41
